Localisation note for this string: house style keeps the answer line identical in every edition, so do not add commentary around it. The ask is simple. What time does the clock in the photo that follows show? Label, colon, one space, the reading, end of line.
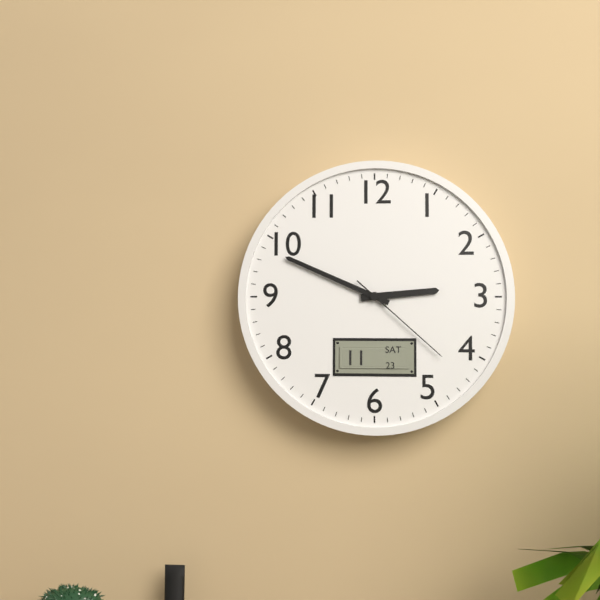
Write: 2:49:22
